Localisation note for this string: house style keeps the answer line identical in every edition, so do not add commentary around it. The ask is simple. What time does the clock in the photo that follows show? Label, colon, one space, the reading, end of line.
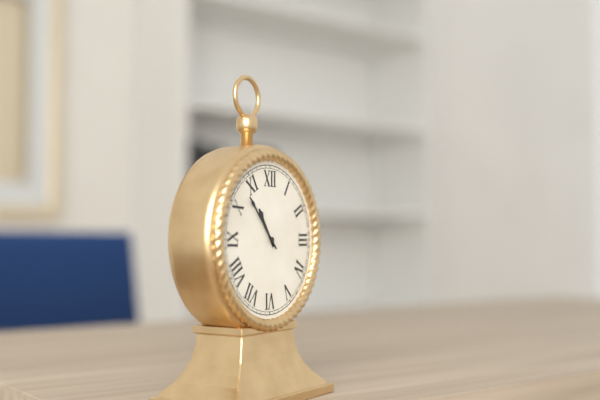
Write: 10:53
